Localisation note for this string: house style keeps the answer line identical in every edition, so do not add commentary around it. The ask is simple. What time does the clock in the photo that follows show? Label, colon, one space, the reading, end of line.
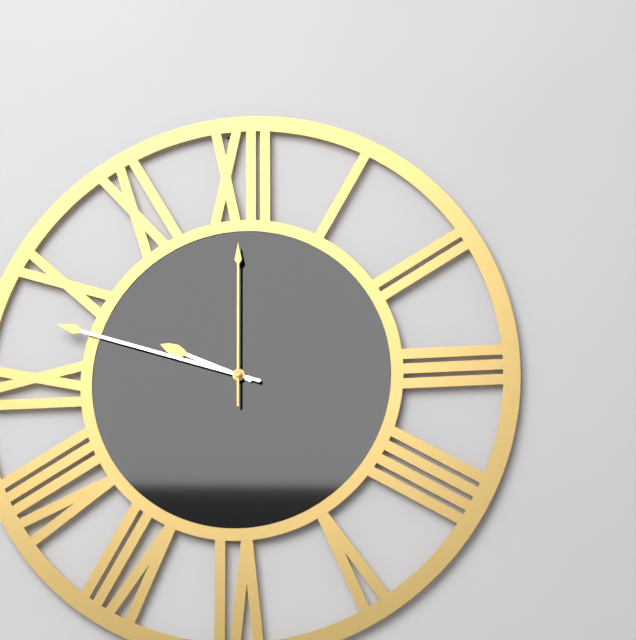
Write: 9:48:00
